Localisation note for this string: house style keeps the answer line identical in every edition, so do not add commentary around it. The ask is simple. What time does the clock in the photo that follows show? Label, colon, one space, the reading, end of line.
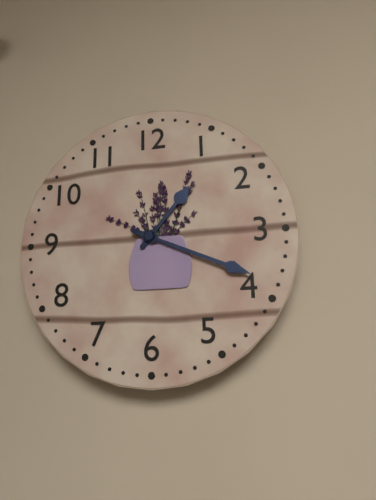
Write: 1:19
